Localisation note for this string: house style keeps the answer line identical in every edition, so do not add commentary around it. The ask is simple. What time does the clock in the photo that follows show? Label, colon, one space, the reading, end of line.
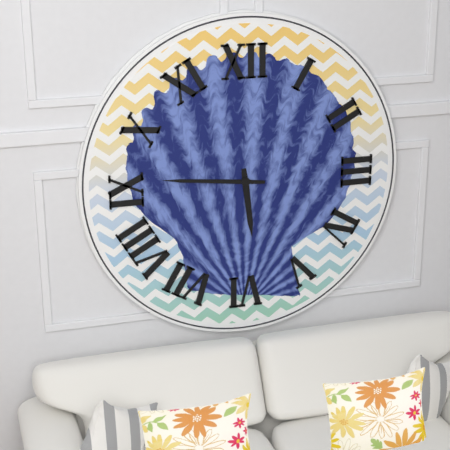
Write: 5:46
